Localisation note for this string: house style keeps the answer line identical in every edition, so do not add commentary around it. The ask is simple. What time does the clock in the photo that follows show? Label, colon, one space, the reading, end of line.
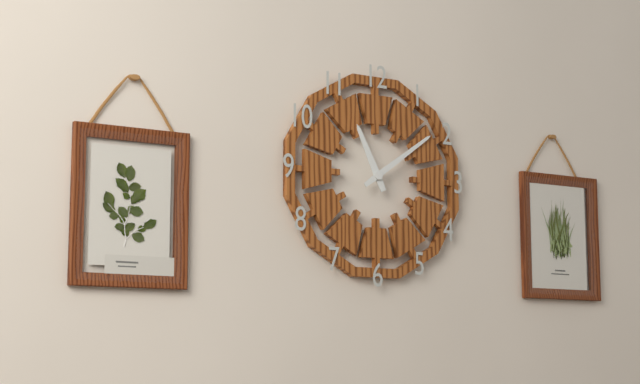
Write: 11:09
